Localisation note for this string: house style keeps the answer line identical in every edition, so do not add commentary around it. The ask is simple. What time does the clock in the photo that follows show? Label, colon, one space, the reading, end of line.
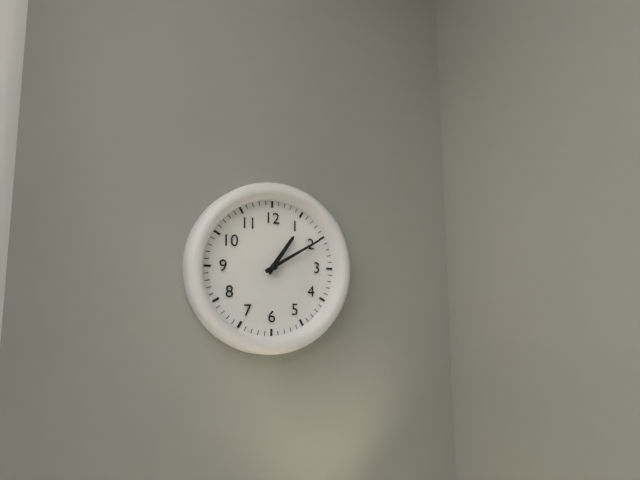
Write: 1:10
